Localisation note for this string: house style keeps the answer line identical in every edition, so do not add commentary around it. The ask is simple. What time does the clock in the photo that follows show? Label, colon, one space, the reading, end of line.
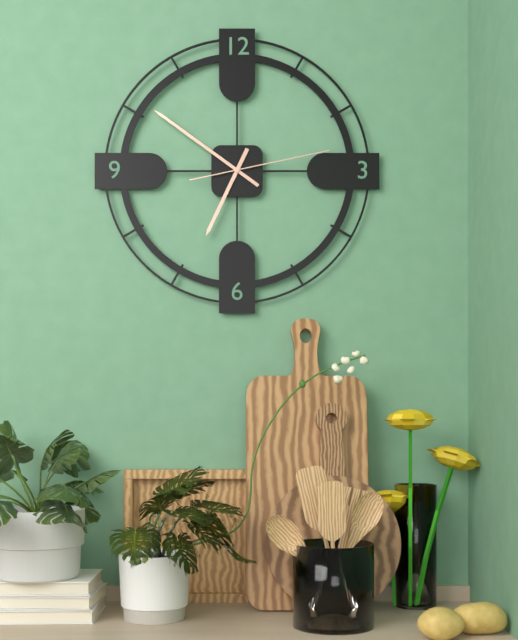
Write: 6:51:13
